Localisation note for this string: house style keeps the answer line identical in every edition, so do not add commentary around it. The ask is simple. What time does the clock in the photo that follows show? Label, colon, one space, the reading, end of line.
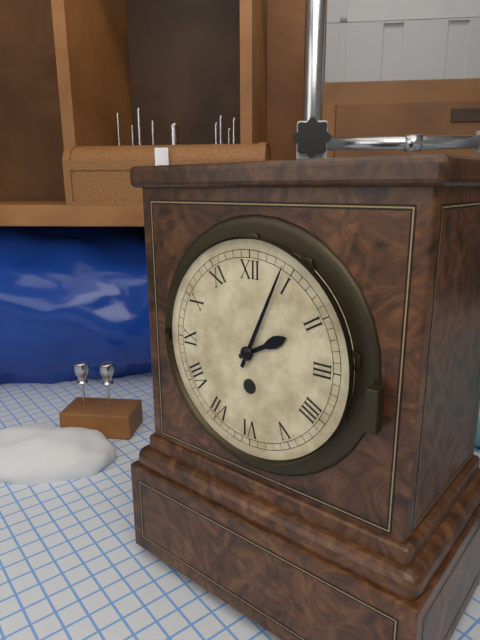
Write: 2:04
